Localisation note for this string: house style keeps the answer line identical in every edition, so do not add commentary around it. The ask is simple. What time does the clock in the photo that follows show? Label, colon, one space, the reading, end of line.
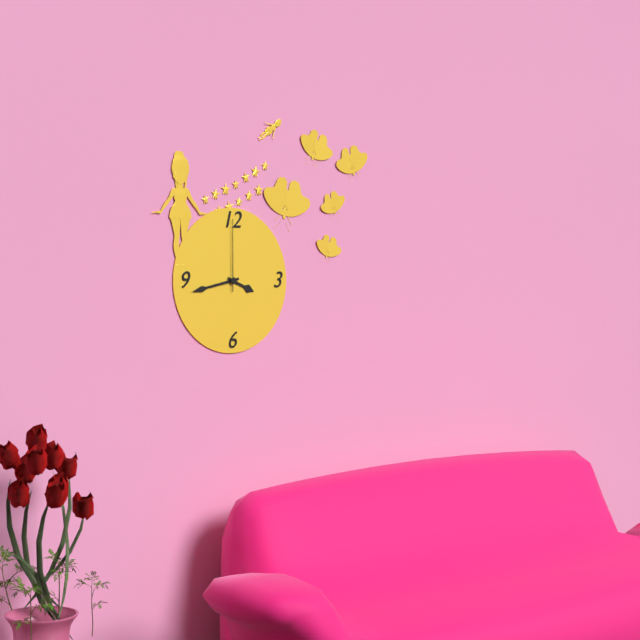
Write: 3:43:00
